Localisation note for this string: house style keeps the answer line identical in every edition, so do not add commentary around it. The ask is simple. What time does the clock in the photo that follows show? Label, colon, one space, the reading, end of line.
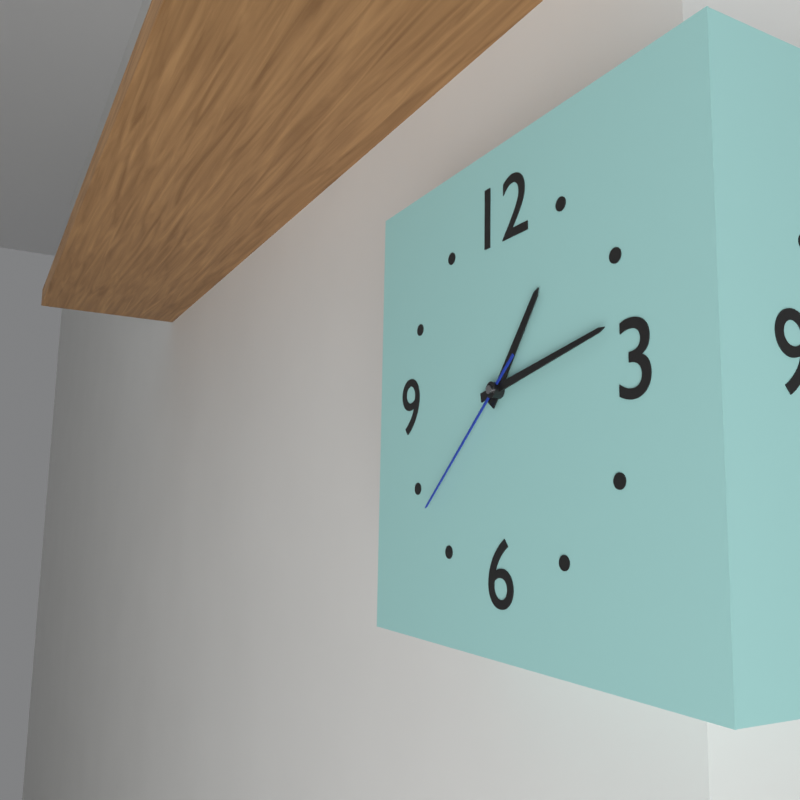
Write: 1:13:38
